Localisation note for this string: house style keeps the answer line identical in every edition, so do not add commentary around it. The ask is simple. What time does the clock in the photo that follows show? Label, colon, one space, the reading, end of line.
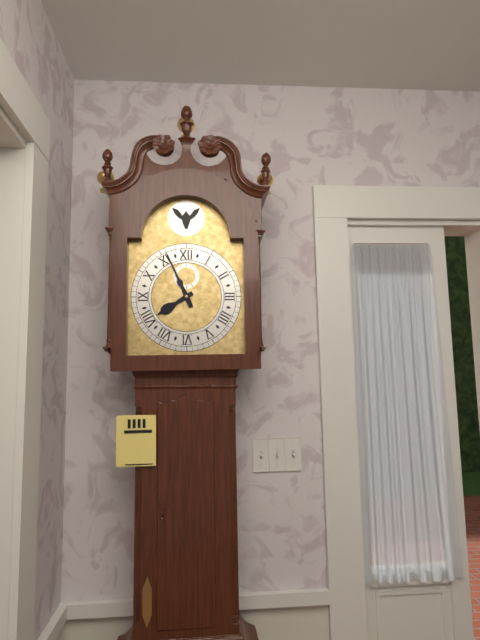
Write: 7:56
